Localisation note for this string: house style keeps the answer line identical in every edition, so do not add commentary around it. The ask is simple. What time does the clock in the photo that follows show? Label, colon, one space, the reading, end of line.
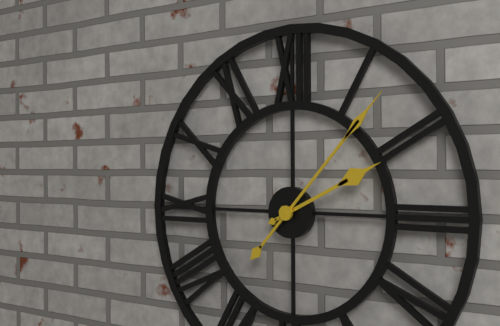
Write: 2:07
